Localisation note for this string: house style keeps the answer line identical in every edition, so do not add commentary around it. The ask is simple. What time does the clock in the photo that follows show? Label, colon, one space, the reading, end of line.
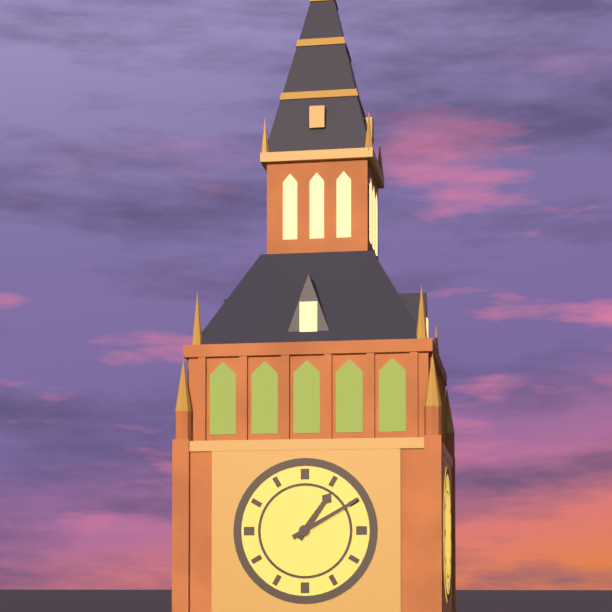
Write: 1:10
